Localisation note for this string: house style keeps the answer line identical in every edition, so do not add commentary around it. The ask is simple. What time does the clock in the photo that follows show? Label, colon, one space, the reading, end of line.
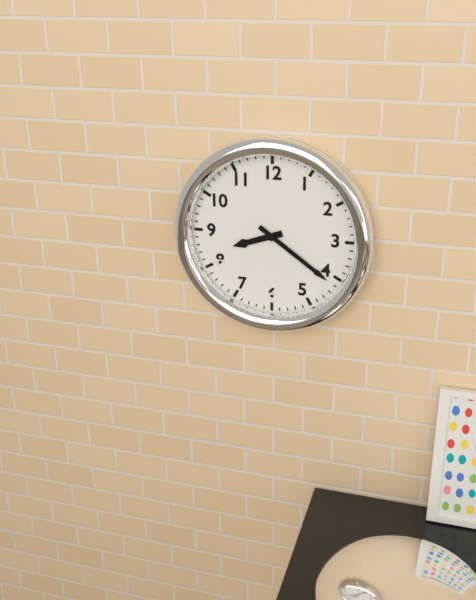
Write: 8:21
